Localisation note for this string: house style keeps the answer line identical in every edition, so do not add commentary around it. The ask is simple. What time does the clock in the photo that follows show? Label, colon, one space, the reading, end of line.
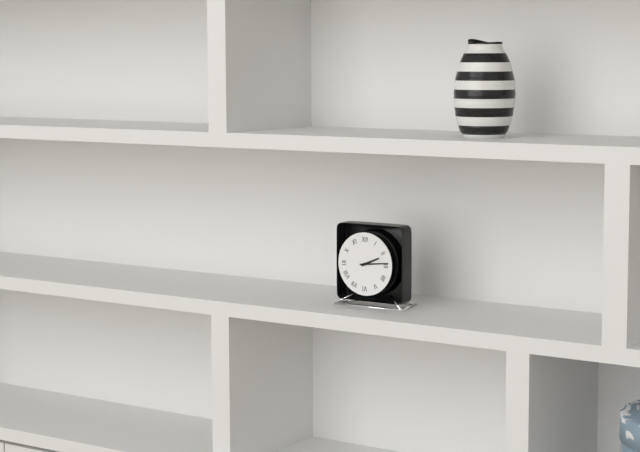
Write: 2:14
